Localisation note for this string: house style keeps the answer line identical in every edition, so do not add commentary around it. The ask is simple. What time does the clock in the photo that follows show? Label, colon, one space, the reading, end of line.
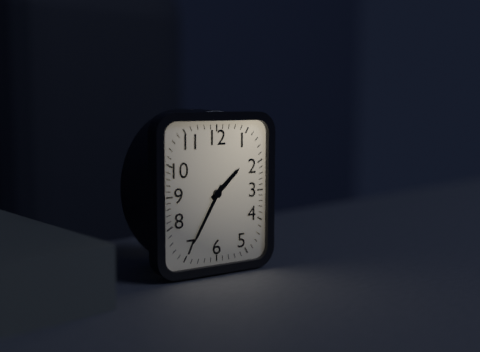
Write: 1:35
